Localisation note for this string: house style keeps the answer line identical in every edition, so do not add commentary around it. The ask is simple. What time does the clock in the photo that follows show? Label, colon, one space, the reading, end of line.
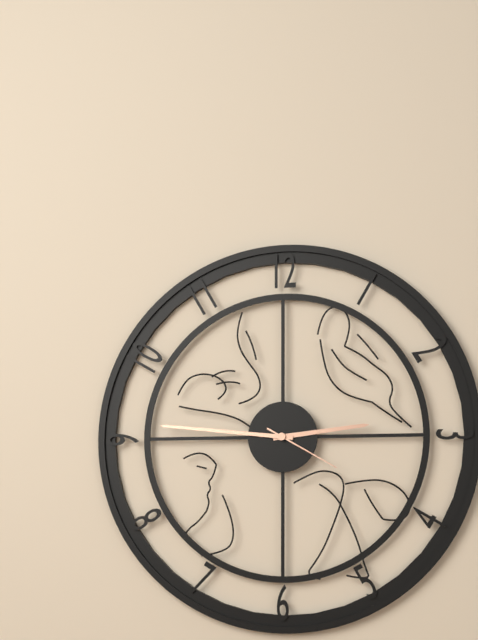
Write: 2:46:20
